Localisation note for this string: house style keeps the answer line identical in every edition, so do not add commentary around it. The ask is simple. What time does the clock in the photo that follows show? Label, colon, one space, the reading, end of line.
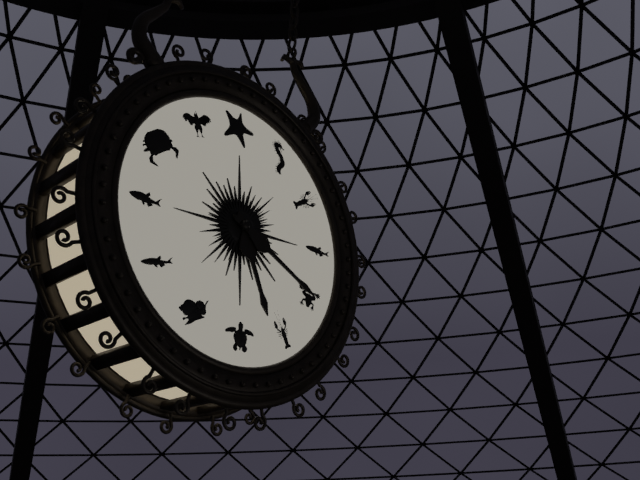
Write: 5:20
